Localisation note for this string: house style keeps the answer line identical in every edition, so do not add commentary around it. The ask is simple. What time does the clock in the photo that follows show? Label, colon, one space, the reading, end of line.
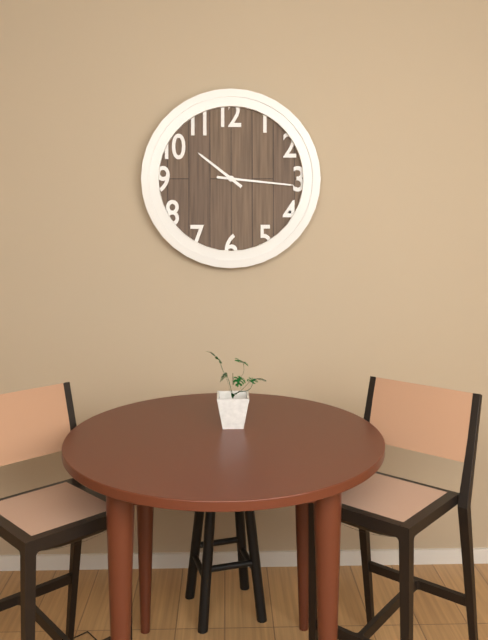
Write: 10:16
